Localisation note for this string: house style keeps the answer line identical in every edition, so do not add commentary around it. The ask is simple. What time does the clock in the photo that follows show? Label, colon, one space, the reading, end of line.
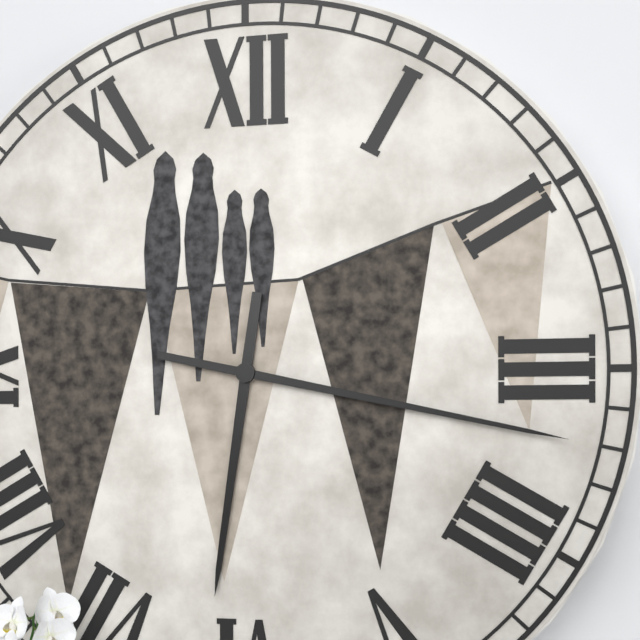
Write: 6:17
